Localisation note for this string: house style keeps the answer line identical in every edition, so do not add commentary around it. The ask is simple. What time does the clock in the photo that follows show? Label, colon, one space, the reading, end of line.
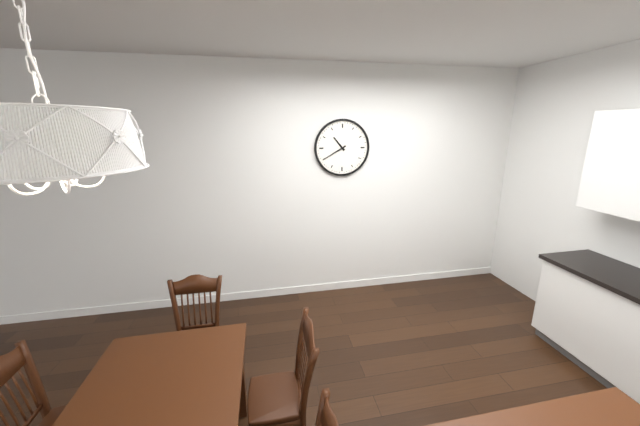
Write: 10:40
